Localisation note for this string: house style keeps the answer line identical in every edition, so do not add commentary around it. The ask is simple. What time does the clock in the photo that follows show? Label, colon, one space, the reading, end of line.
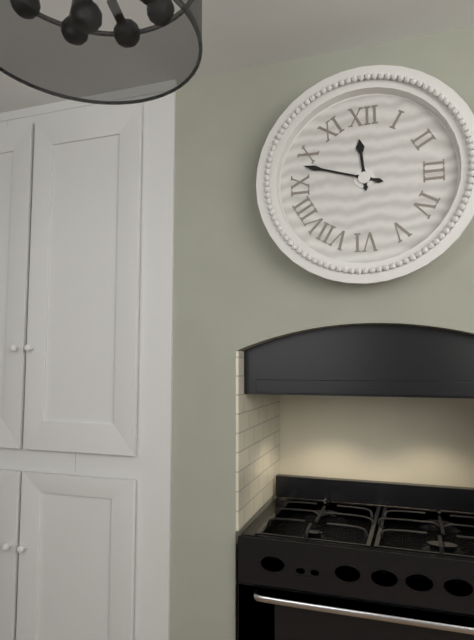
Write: 11:48
